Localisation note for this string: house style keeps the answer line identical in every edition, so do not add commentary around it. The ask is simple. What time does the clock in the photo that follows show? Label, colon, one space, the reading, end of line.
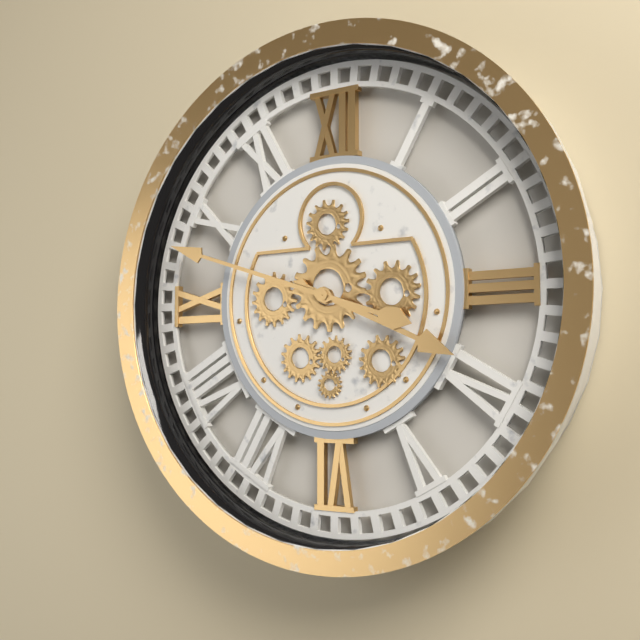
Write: 3:48
